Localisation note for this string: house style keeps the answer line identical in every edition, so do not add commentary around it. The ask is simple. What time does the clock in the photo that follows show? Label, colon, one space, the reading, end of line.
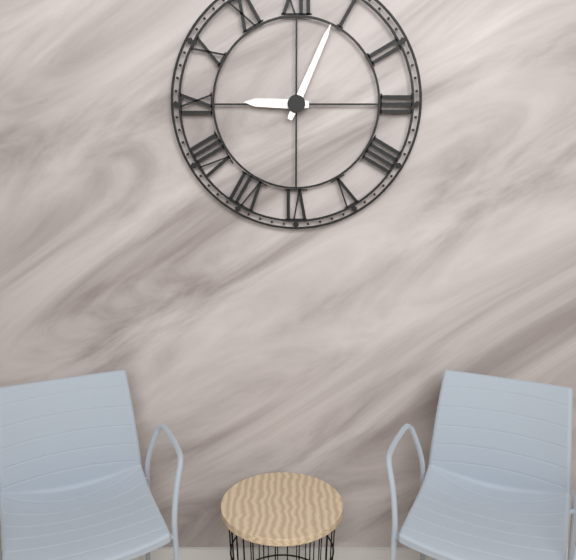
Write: 9:04
